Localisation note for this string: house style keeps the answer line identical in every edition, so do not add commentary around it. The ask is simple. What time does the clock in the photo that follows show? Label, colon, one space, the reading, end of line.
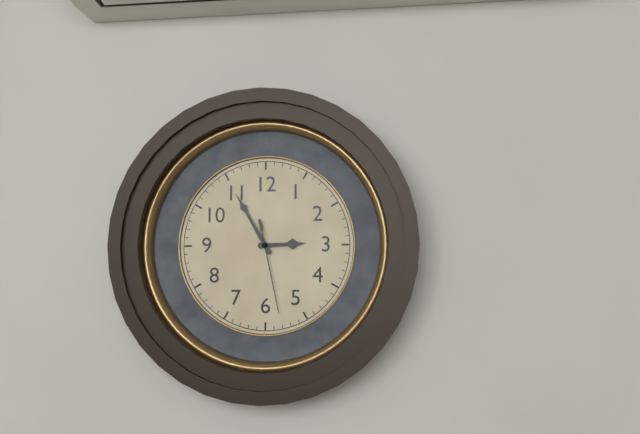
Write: 2:55:28
